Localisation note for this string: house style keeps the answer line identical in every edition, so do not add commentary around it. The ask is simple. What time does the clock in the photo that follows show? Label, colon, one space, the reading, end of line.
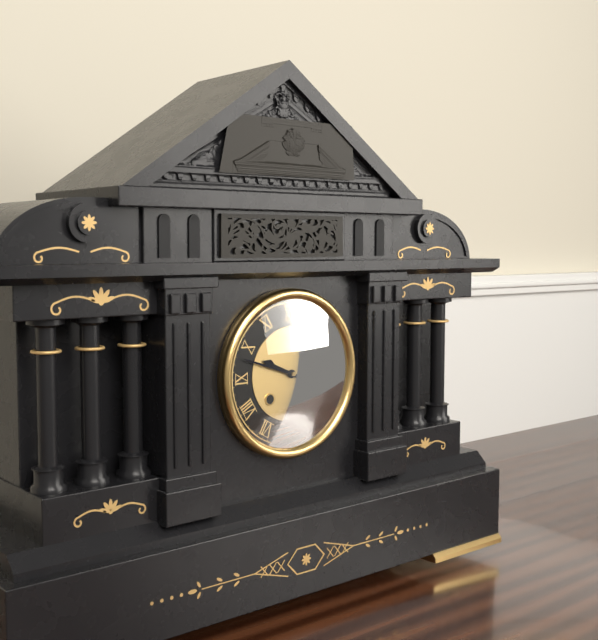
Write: 9:48
